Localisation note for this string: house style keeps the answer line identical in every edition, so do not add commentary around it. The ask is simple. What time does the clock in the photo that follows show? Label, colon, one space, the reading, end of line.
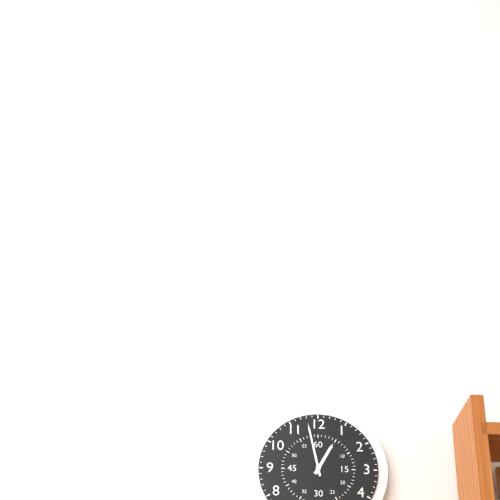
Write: 12:58
